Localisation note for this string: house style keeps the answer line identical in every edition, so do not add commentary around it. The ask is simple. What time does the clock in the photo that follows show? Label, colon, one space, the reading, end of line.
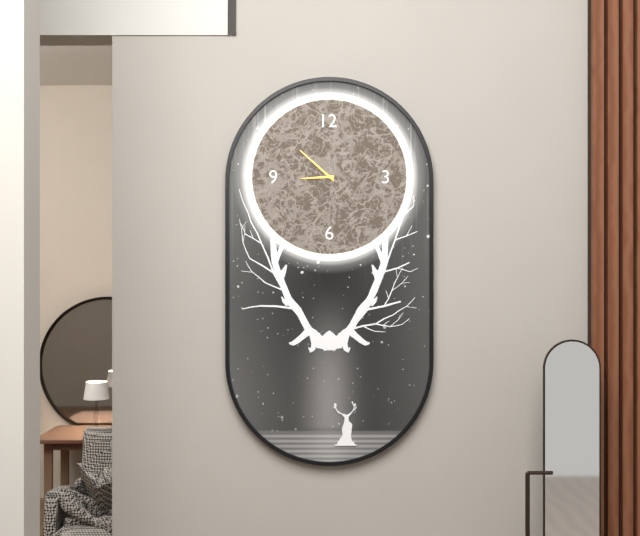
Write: 8:52
